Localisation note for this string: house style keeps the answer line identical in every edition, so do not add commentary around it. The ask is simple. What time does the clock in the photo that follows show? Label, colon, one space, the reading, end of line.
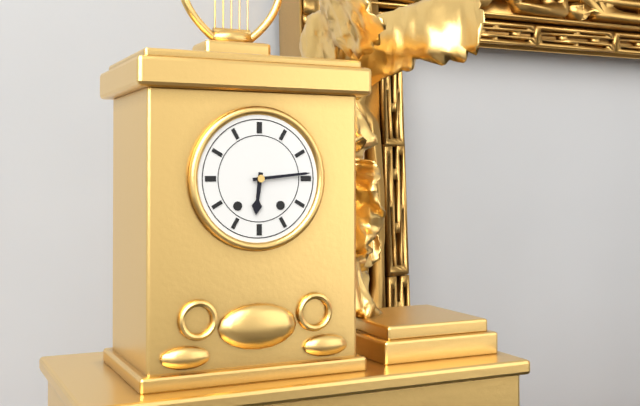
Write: 6:14
